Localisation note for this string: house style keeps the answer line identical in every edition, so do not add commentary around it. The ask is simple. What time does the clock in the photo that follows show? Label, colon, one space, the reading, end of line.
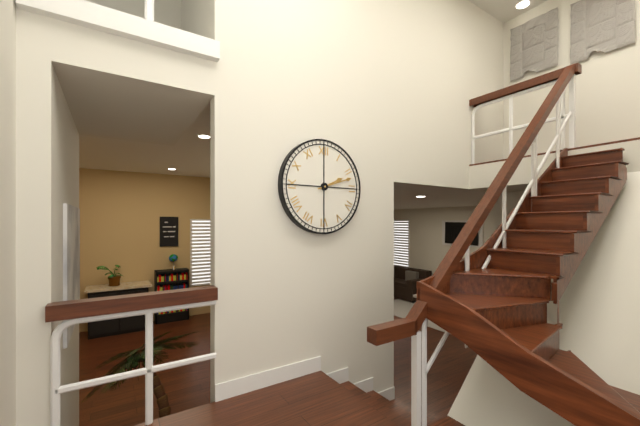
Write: 2:12
